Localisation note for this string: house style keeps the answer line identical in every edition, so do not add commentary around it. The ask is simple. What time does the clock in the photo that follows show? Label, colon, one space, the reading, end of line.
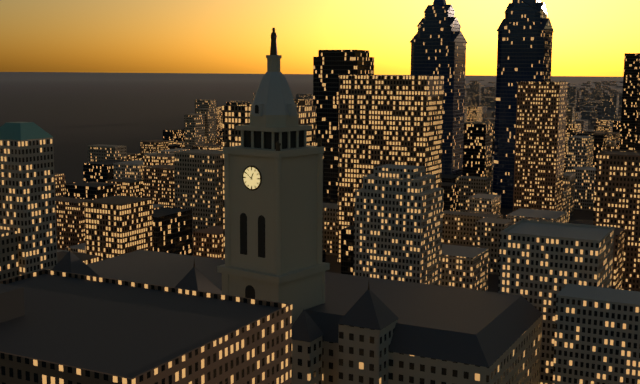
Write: 12:51
